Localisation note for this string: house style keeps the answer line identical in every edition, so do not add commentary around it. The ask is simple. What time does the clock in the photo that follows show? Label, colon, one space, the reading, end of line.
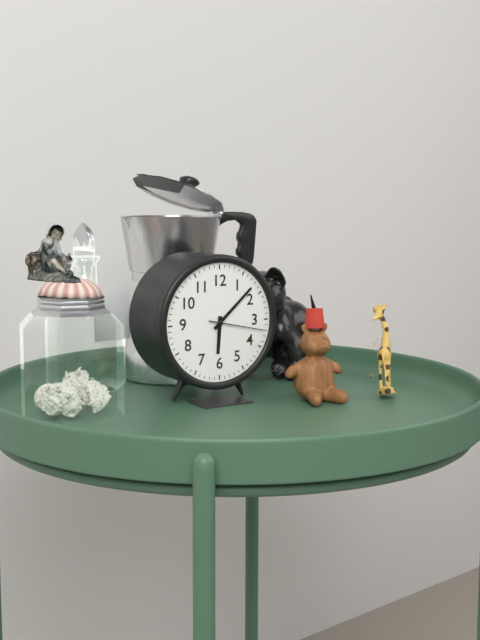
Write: 6:08:17
